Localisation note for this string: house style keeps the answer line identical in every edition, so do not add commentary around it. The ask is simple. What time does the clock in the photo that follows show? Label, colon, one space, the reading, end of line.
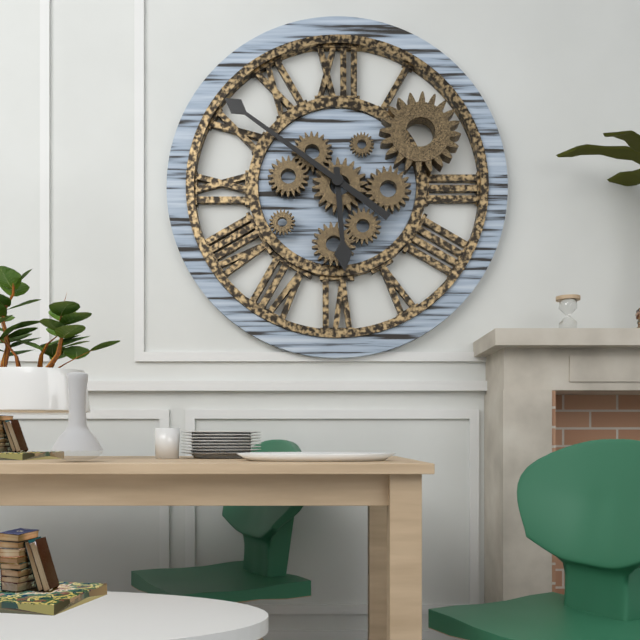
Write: 5:51
